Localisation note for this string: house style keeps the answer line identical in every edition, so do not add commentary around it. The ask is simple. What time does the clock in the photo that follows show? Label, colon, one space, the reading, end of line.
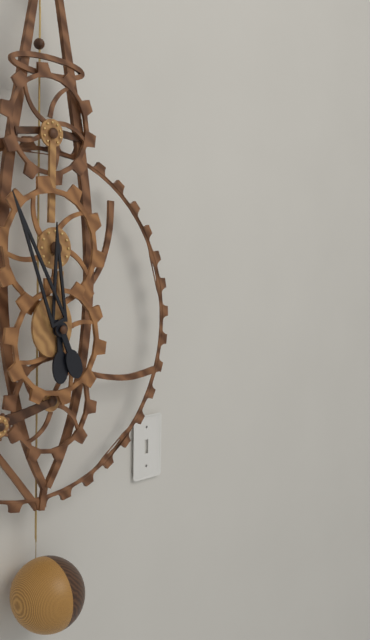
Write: 11:56
